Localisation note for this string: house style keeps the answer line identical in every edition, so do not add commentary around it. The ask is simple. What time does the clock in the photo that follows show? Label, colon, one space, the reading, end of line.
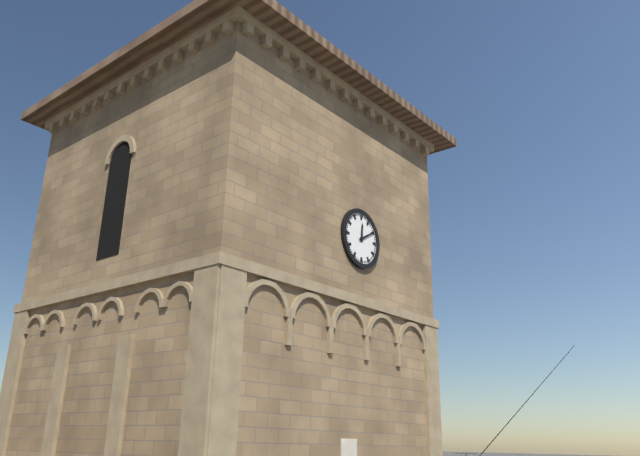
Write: 12:10
